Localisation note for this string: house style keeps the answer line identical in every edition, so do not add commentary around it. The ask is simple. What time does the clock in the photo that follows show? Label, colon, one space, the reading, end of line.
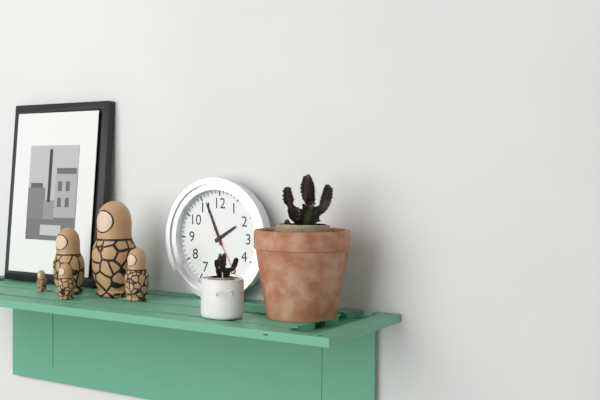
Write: 1:56:25
